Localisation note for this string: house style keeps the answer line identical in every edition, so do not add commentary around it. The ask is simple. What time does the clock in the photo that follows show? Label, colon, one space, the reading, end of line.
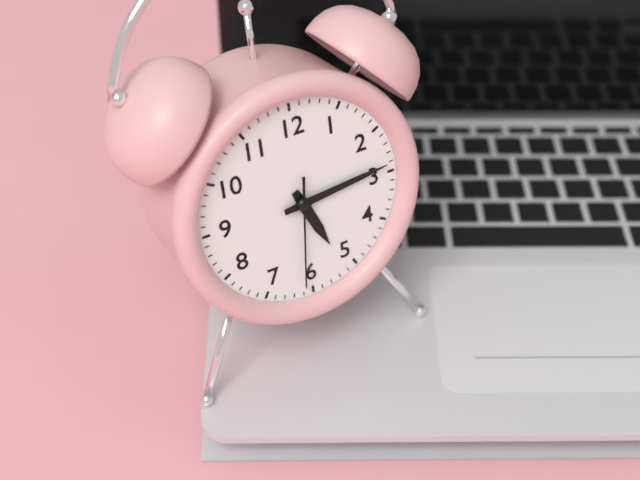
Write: 5:14:31
